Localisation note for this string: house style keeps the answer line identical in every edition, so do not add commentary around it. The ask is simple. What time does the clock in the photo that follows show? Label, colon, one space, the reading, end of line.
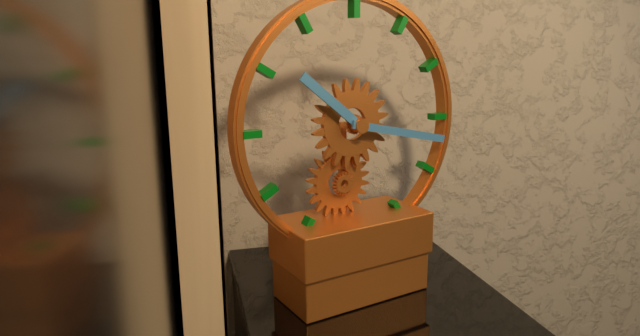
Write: 10:17
